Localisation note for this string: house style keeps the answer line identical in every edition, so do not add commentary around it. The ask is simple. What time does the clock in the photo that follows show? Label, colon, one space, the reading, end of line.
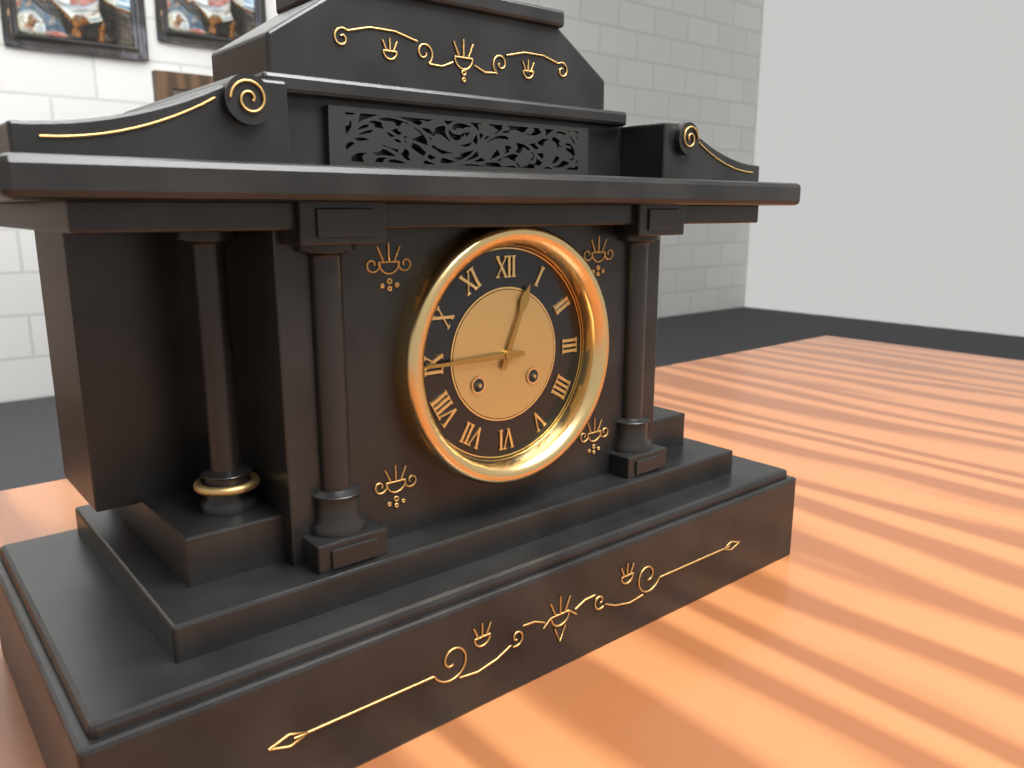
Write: 12:45
